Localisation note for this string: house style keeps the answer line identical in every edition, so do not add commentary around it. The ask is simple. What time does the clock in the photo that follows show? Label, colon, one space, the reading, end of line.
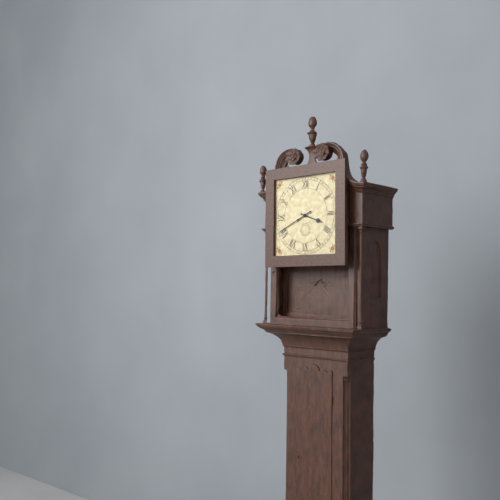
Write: 3:41
